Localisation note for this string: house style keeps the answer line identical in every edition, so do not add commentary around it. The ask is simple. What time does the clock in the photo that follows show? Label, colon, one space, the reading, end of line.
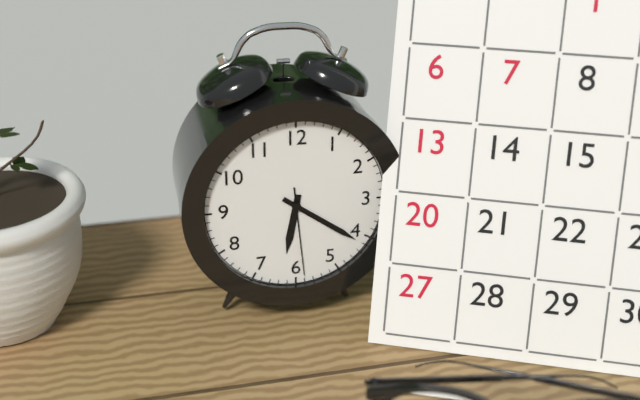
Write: 6:21:29
